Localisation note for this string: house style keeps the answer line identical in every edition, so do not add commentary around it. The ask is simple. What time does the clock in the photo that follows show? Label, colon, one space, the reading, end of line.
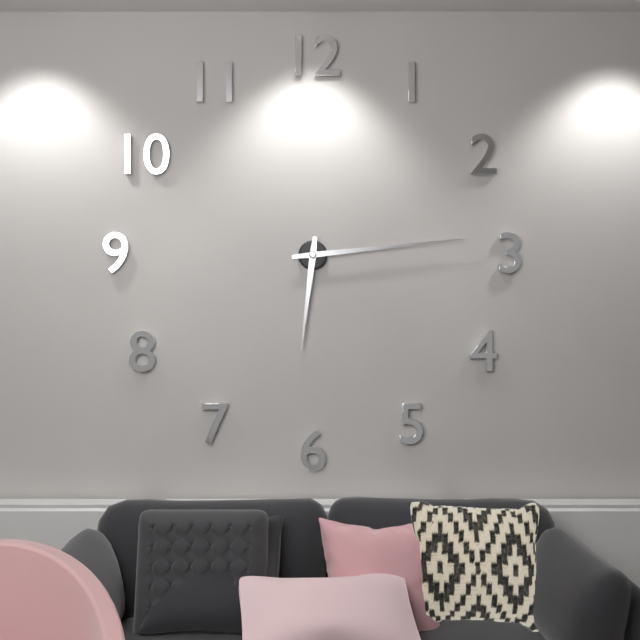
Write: 6:14
